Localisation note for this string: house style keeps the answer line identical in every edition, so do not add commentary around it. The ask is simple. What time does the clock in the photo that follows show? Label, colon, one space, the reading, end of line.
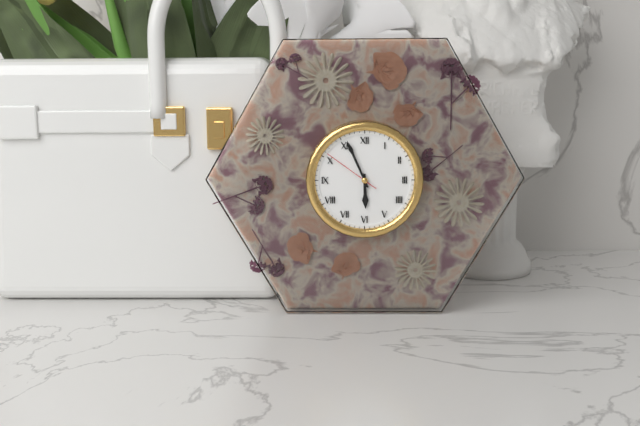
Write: 5:56:51
